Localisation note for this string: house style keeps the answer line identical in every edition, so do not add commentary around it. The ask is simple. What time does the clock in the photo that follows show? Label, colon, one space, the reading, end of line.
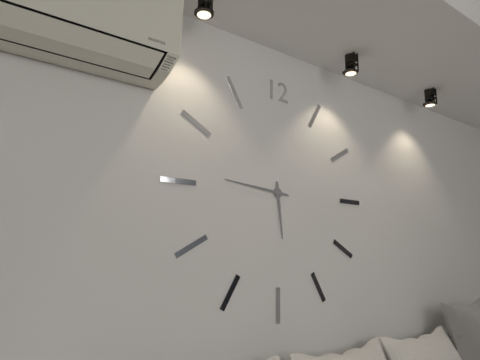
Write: 5:46
